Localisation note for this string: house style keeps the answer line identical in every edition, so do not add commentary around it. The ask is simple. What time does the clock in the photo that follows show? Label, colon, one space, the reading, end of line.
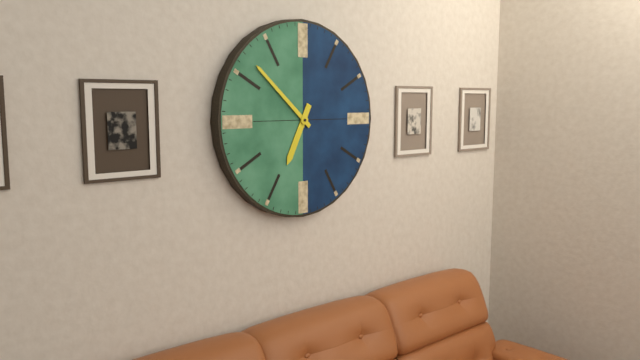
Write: 6:52
